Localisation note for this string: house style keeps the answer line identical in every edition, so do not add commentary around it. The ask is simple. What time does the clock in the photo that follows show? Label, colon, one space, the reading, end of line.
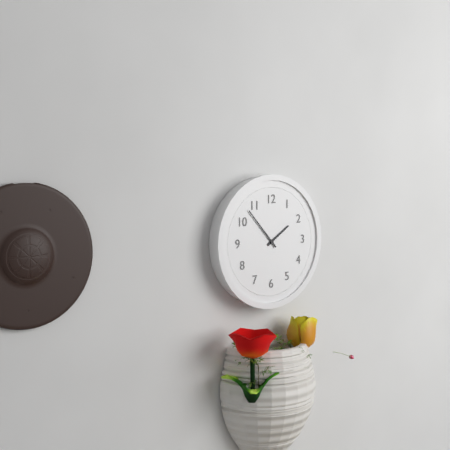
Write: 1:53
